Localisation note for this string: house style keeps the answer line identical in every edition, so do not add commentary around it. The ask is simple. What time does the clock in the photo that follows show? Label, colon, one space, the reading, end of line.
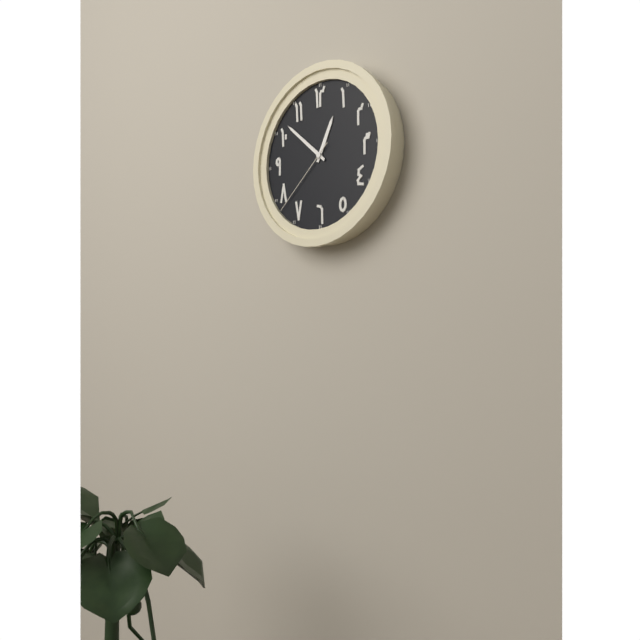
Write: 12:52:38
